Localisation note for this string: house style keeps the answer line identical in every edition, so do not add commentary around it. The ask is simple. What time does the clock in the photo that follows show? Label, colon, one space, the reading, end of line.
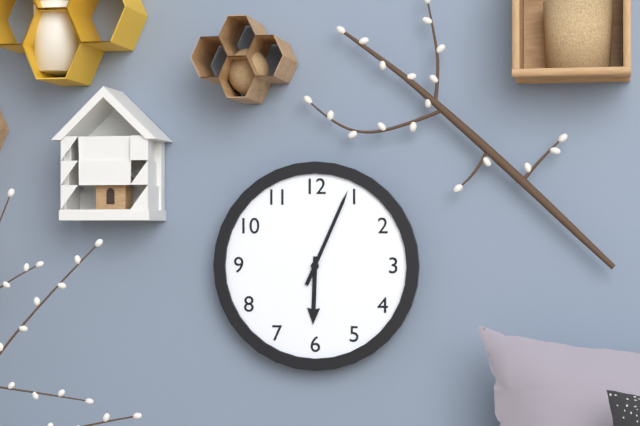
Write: 6:04
